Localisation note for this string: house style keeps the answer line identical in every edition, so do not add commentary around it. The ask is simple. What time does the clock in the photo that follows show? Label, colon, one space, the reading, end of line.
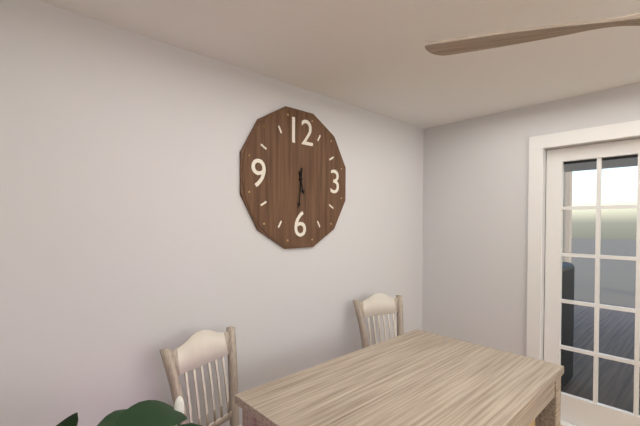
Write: 5:31
